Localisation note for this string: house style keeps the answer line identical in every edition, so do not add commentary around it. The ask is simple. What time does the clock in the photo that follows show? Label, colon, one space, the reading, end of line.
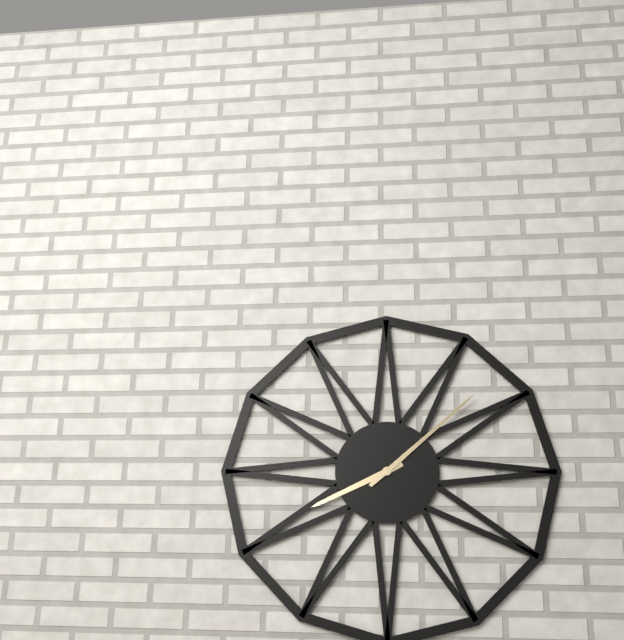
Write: 8:08
